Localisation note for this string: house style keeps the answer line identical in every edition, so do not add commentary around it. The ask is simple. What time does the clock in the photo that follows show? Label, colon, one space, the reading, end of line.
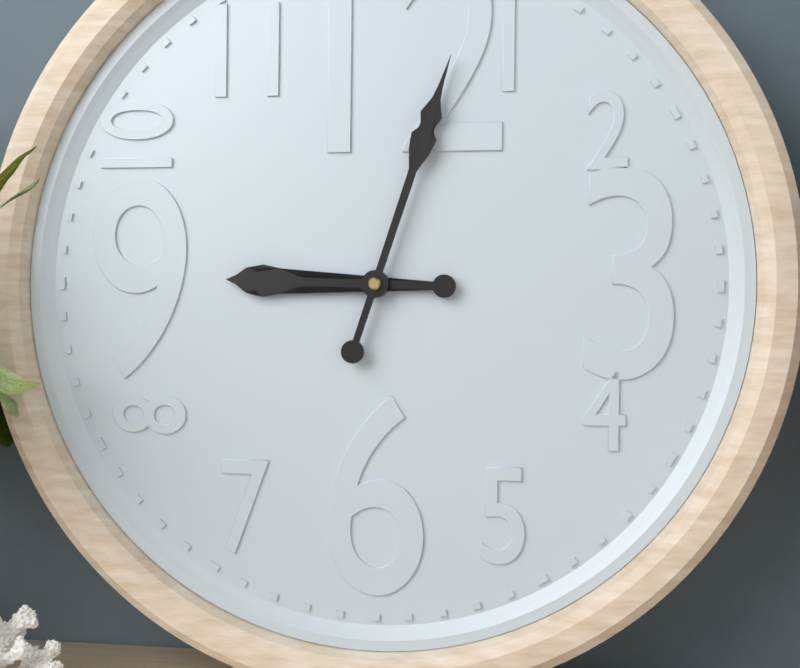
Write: 9:03
